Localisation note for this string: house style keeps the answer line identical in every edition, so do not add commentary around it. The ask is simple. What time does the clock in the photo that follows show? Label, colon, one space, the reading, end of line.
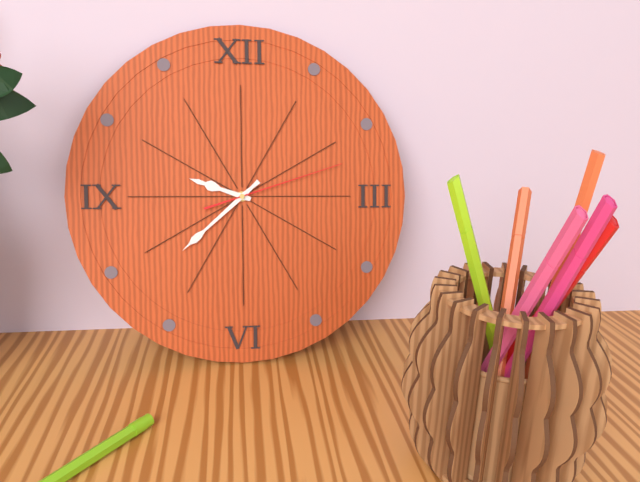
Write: 9:38:12
